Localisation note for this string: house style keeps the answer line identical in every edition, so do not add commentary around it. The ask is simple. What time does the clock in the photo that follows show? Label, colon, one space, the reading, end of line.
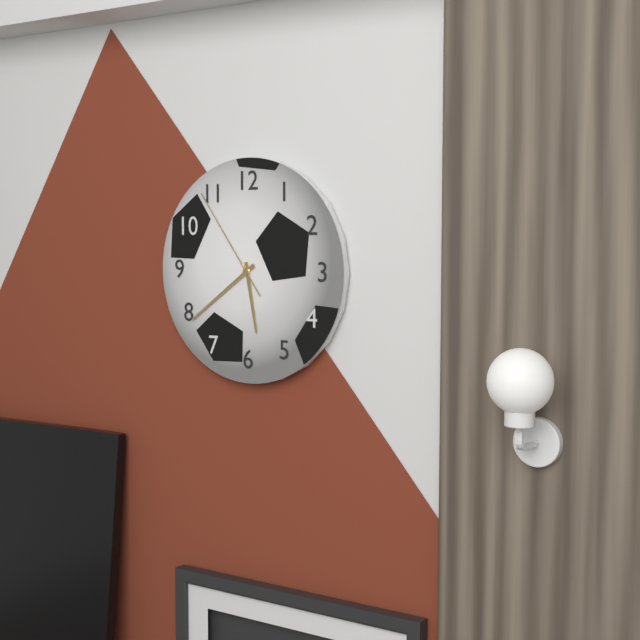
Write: 5:39:54
